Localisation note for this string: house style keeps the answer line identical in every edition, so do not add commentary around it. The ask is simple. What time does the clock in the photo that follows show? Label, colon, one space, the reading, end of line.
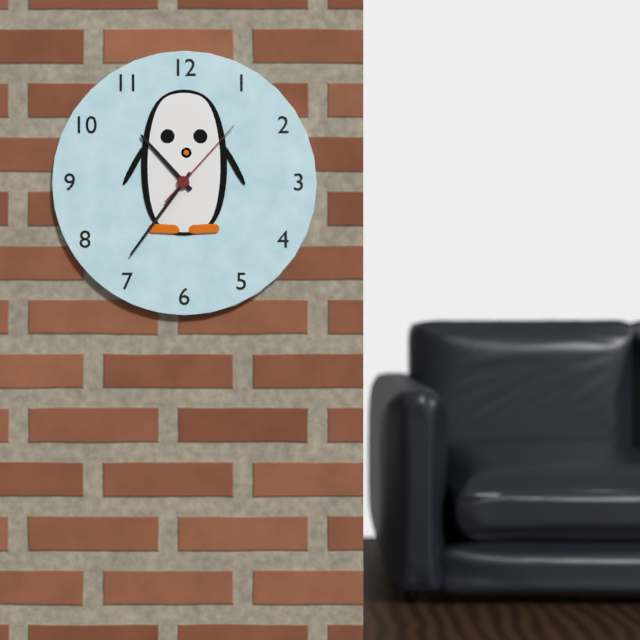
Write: 10:36:07
